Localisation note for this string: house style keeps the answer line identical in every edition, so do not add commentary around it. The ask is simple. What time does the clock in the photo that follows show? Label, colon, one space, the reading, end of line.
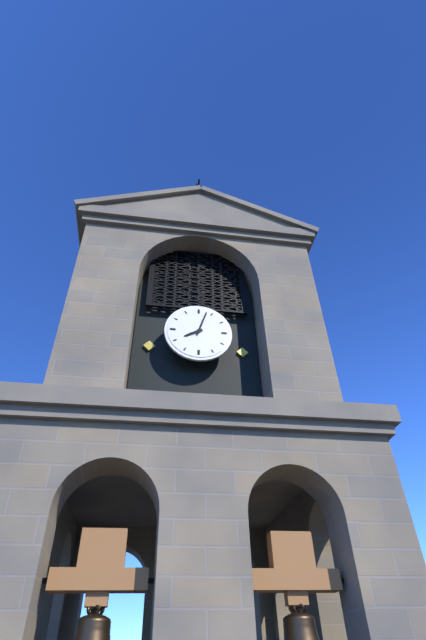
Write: 8:03
